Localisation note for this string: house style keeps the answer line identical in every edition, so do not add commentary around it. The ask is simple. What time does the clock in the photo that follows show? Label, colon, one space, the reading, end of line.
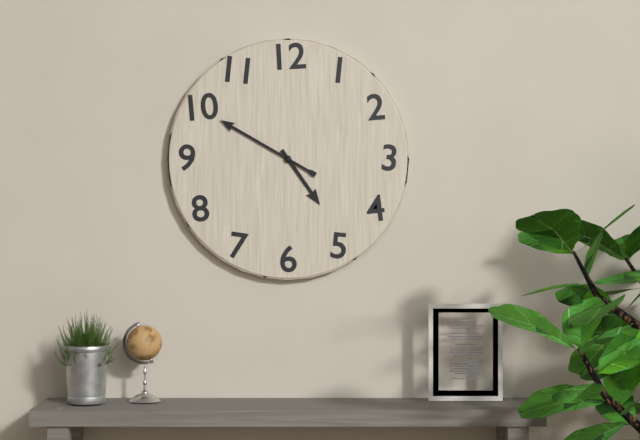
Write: 4:50
